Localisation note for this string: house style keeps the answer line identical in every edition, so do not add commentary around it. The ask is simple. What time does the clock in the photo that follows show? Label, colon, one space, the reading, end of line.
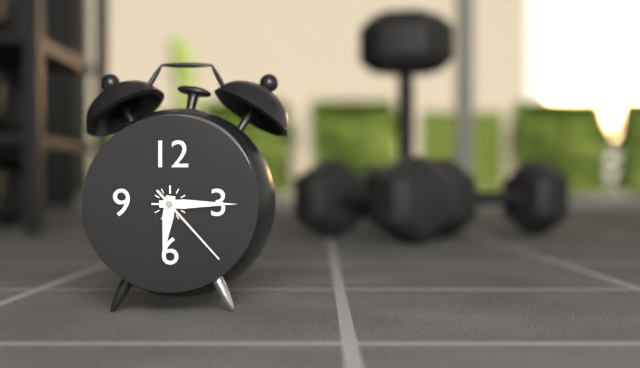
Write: 6:15:23
